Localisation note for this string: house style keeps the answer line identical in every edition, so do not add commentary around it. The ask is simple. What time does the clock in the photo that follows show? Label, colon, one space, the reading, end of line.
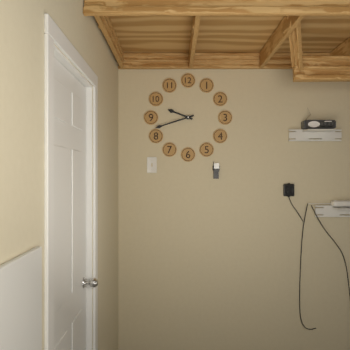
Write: 9:42
